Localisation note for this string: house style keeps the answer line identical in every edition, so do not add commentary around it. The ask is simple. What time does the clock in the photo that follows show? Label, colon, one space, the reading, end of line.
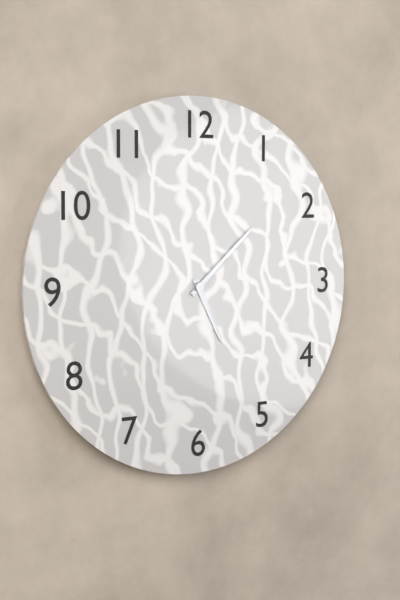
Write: 5:08
